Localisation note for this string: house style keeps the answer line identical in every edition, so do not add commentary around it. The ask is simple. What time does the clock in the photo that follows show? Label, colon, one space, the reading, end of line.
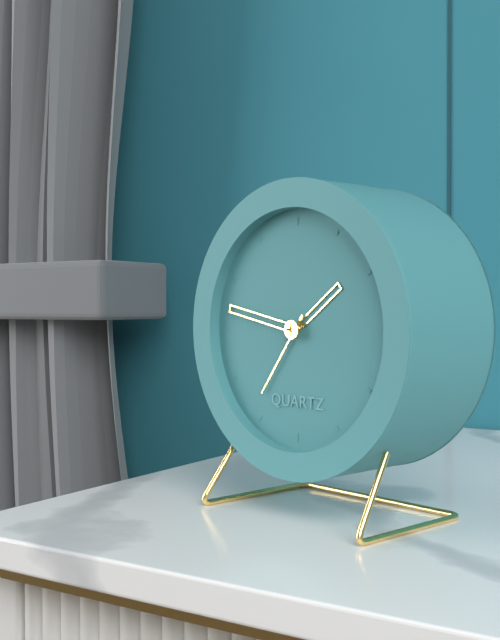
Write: 1:47:36
